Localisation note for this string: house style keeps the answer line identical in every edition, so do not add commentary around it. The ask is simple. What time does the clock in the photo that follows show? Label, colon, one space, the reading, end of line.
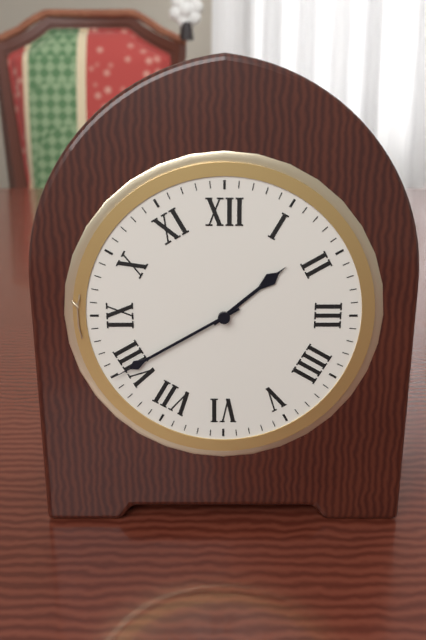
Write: 1:40
